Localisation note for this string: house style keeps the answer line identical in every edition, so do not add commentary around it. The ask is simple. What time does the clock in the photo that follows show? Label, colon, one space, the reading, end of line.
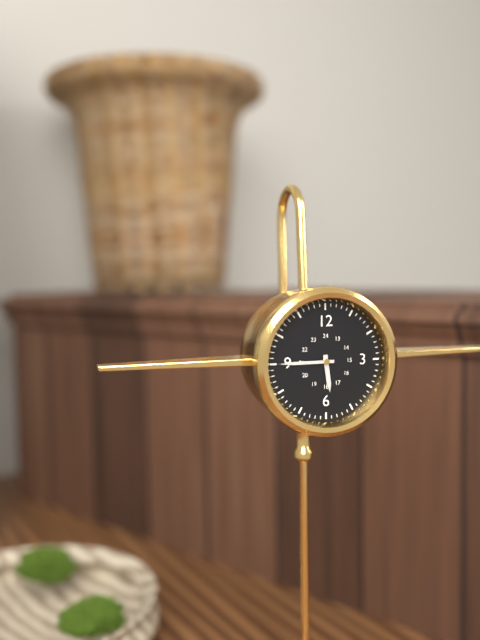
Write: 5:45
